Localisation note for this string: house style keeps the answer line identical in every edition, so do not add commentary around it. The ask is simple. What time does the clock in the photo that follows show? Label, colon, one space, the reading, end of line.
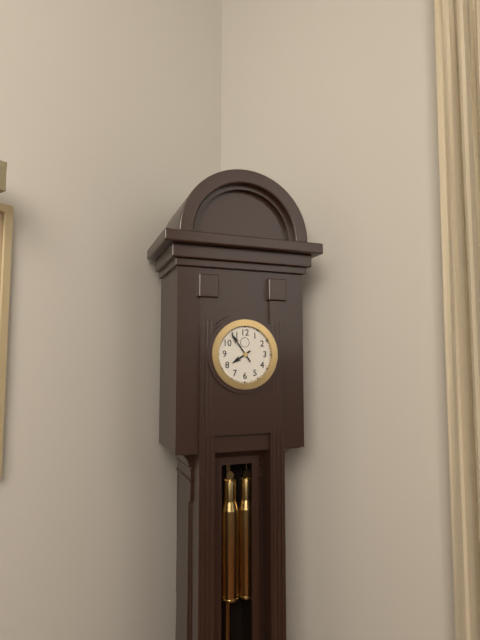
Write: 7:54
